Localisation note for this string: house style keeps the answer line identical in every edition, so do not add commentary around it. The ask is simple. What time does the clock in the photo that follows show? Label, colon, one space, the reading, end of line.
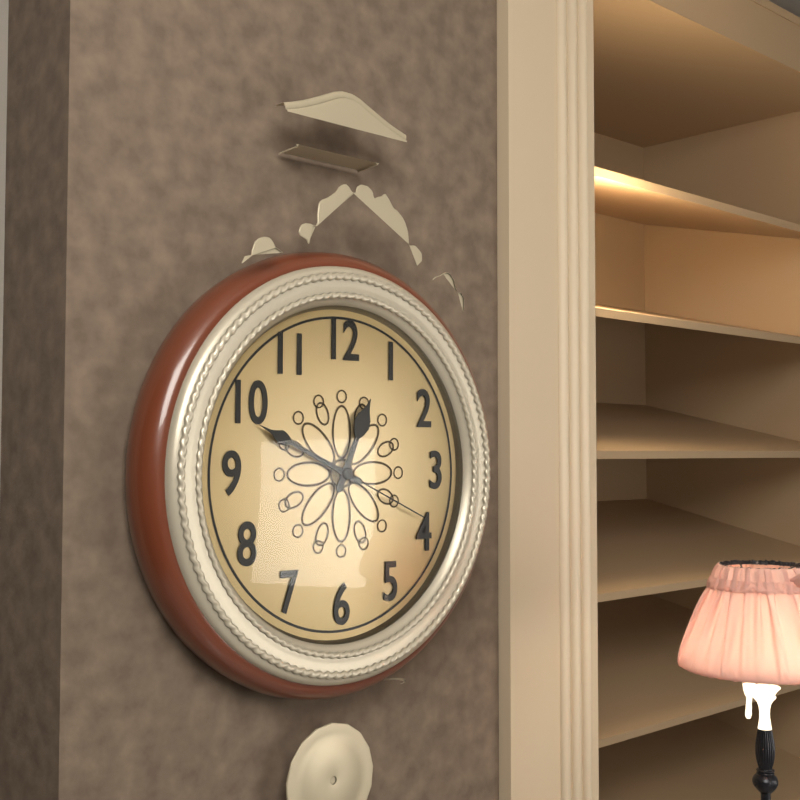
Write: 12:49:19
